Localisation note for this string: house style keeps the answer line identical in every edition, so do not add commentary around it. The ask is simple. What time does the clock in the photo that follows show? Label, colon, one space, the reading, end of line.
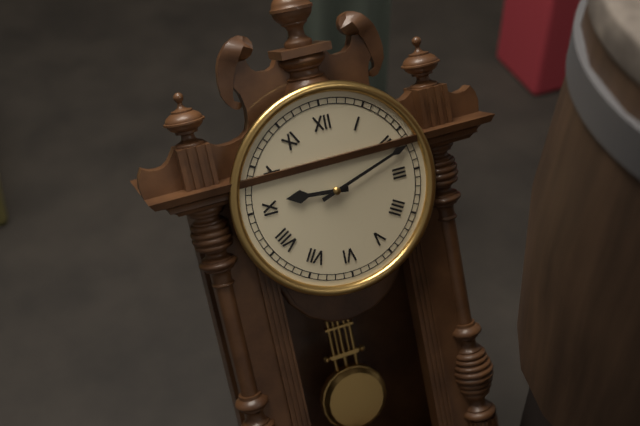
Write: 9:12
